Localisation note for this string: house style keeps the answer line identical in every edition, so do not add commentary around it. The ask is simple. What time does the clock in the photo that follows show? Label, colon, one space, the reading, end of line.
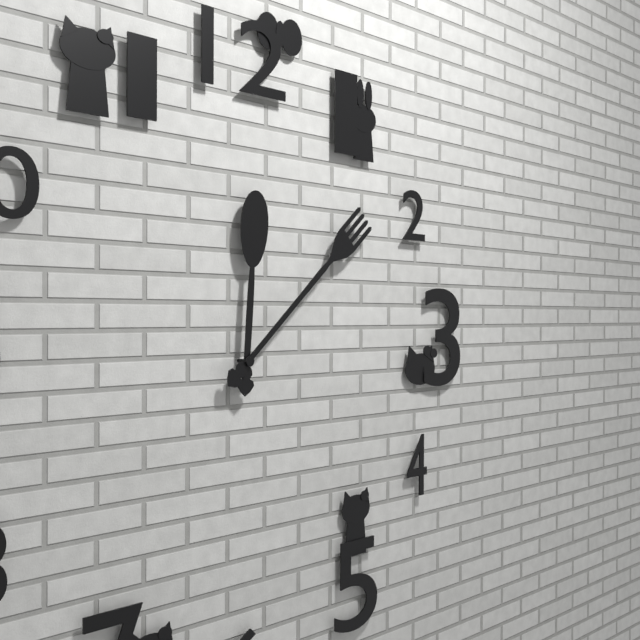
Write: 12:08
